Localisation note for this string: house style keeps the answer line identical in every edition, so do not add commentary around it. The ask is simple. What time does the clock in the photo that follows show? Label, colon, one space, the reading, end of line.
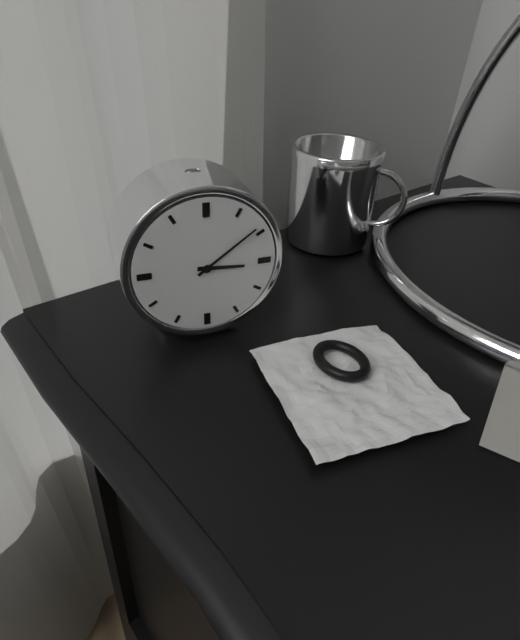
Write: 3:09
